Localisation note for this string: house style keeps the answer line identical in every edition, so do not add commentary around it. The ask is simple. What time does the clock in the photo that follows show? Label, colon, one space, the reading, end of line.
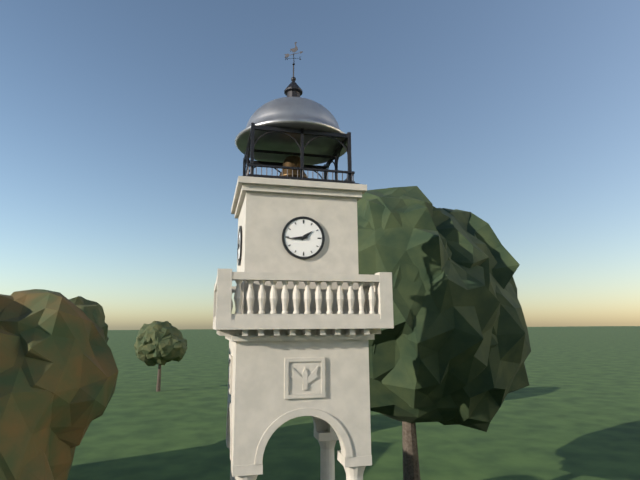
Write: 1:44
